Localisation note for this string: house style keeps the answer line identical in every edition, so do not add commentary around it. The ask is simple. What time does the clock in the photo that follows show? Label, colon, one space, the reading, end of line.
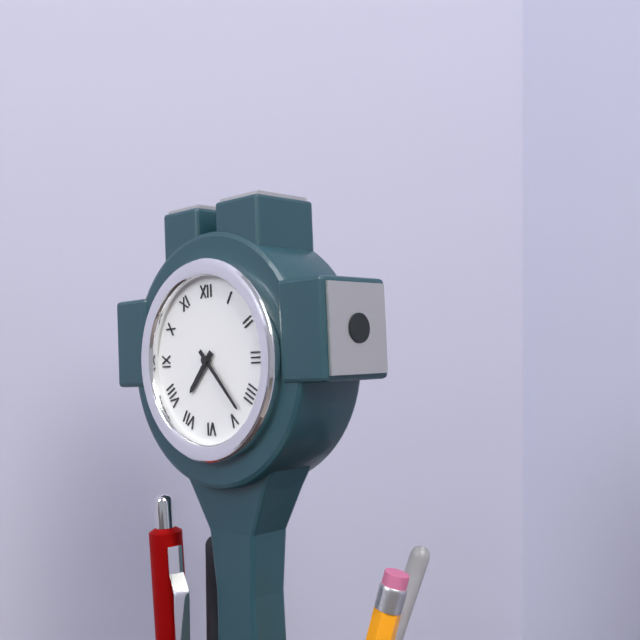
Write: 7:23
